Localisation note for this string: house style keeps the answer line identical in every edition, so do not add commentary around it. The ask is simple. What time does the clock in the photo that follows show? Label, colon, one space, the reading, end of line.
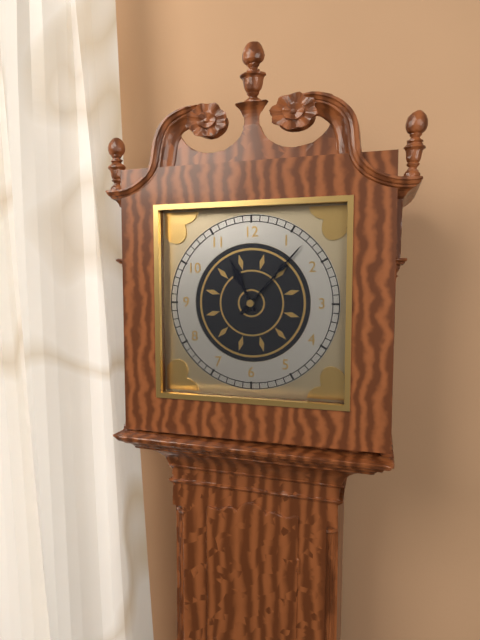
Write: 11:07
